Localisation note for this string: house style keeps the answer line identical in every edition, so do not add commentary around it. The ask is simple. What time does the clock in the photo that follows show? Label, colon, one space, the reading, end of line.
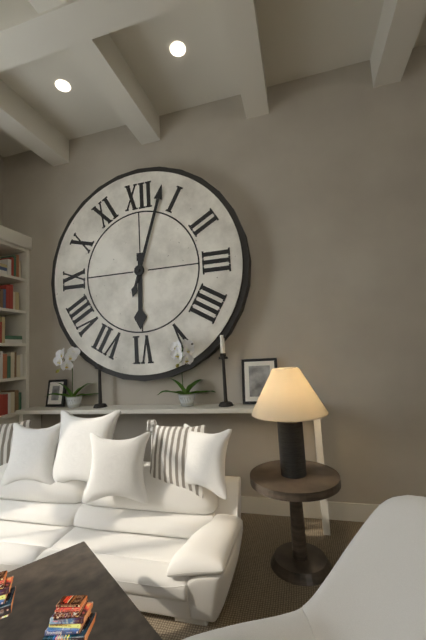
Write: 6:03
